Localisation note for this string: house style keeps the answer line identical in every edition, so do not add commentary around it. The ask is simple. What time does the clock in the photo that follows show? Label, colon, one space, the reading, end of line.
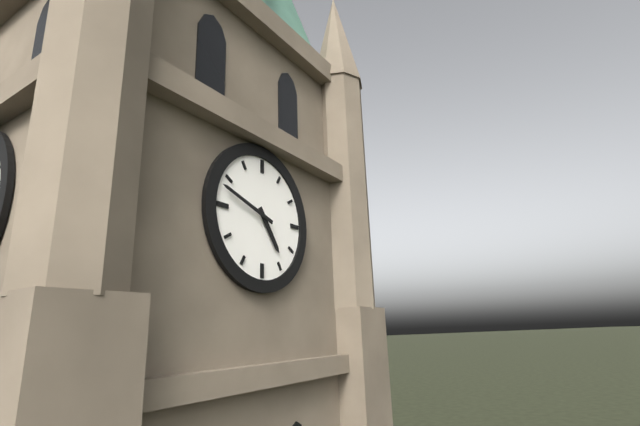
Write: 4:48
